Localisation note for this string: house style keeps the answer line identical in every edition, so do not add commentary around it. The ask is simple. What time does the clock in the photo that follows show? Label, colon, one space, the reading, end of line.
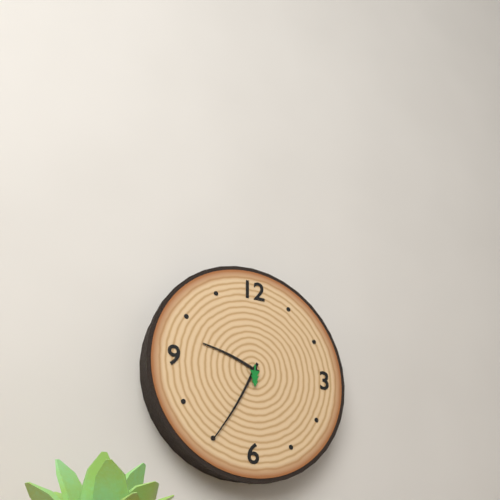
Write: 9:35
